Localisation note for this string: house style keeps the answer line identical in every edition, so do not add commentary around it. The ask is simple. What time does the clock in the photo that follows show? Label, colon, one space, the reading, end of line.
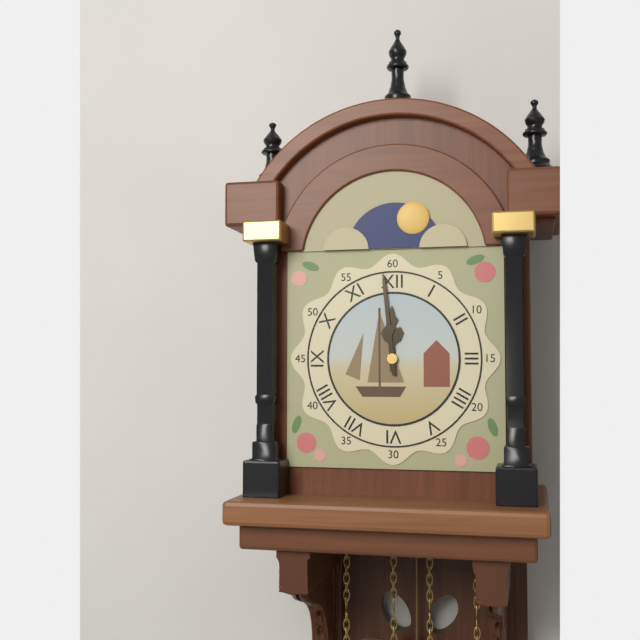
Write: 11:59
